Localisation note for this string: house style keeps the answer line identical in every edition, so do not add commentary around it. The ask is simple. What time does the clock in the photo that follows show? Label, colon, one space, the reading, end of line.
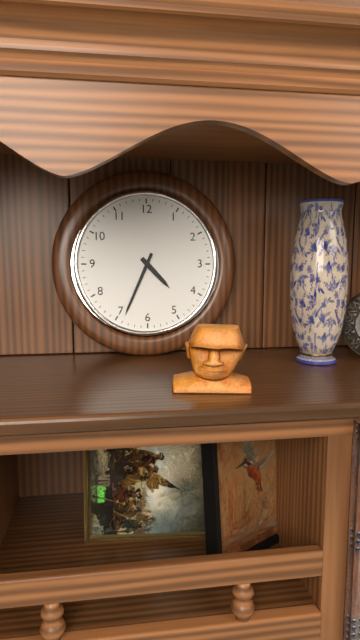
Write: 4:34
